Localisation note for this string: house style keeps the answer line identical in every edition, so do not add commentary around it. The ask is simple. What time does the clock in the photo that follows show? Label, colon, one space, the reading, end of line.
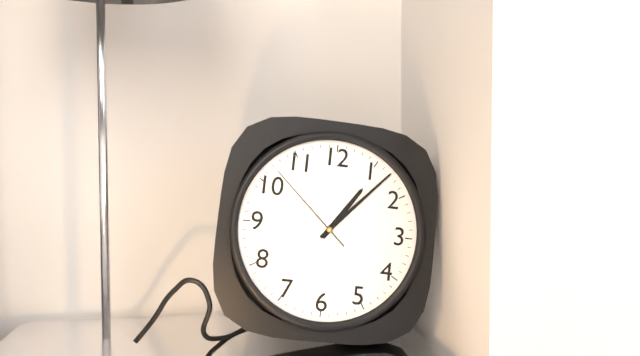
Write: 1:07:52
